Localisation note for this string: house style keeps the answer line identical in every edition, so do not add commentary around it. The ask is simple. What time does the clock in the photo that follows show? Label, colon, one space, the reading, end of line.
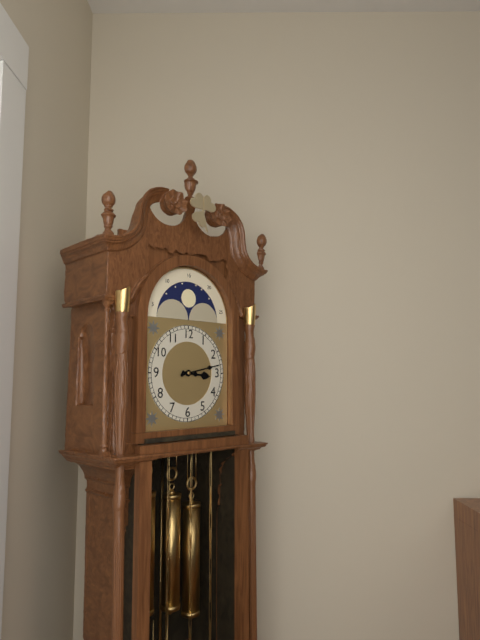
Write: 3:13
